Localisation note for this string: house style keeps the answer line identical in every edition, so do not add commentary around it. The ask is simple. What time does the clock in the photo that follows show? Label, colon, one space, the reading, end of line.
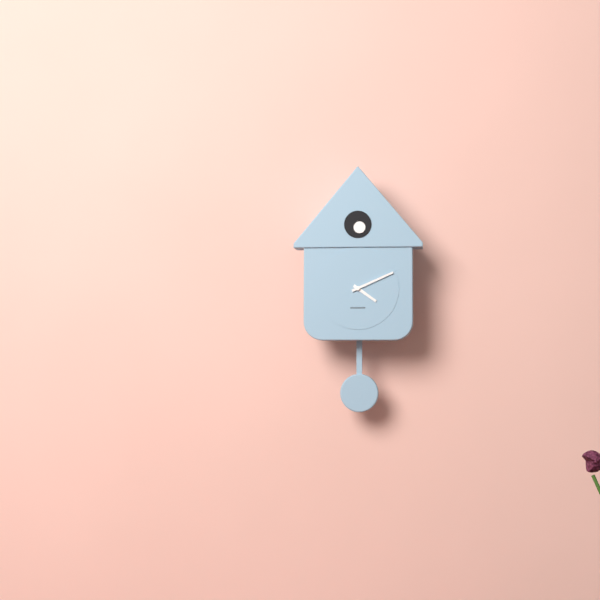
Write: 4:11
